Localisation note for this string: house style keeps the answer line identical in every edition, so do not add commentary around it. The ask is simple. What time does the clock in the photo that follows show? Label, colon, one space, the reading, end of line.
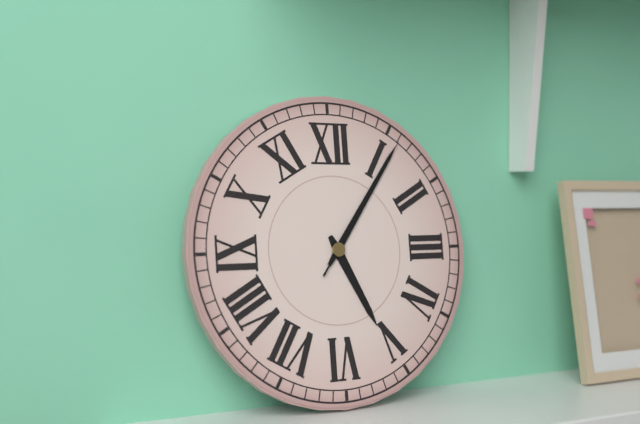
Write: 5:06:06
